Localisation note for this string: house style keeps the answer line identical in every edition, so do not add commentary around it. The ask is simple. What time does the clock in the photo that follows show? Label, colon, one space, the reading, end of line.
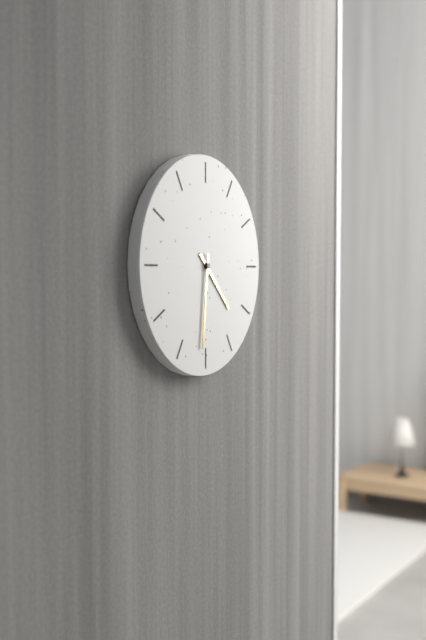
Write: 4:31
